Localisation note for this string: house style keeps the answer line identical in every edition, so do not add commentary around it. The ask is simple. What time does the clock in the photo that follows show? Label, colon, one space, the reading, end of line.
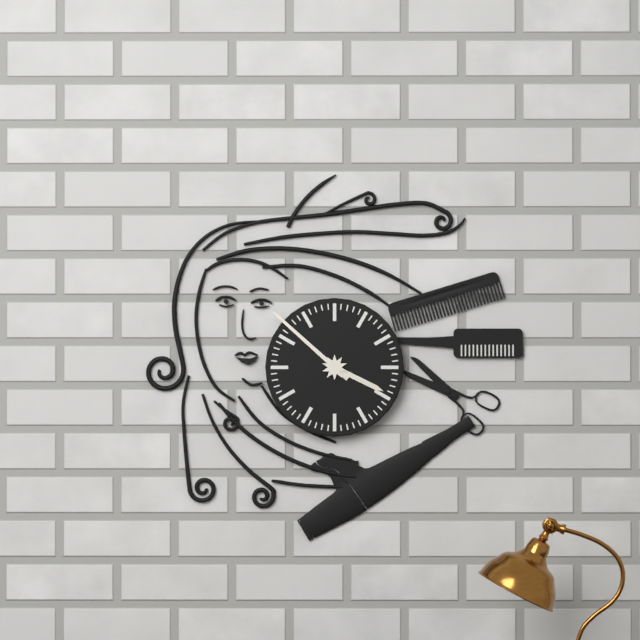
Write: 3:52
